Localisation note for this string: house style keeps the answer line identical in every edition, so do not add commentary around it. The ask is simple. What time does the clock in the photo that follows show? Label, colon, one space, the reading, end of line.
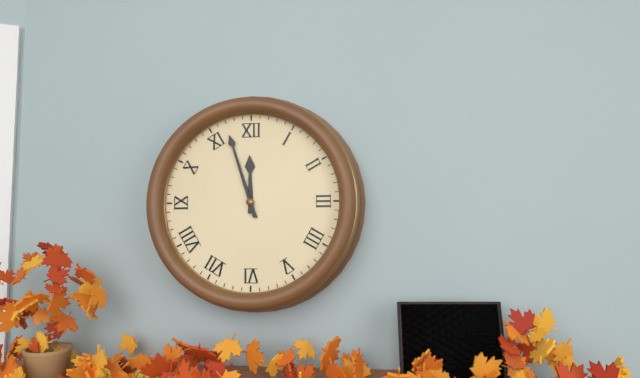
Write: 11:57
